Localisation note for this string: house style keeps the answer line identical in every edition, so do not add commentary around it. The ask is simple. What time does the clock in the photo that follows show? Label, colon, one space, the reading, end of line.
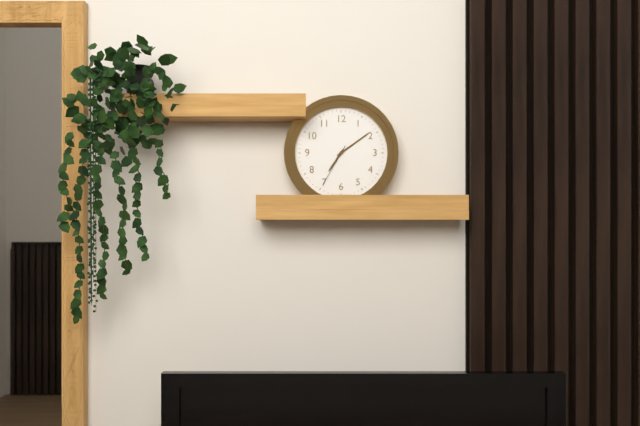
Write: 7:09
